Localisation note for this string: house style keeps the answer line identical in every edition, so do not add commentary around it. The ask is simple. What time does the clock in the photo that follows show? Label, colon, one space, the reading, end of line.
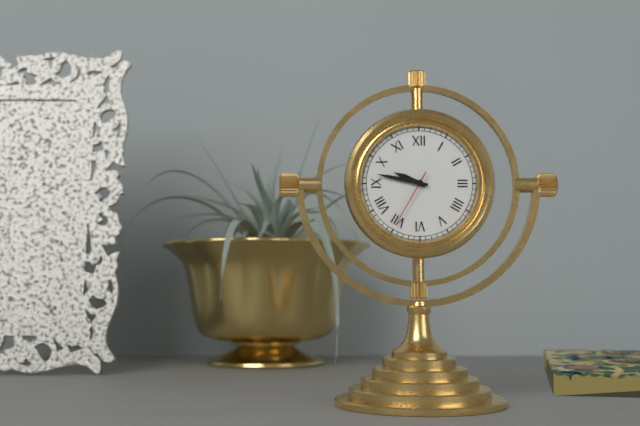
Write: 9:47:35
